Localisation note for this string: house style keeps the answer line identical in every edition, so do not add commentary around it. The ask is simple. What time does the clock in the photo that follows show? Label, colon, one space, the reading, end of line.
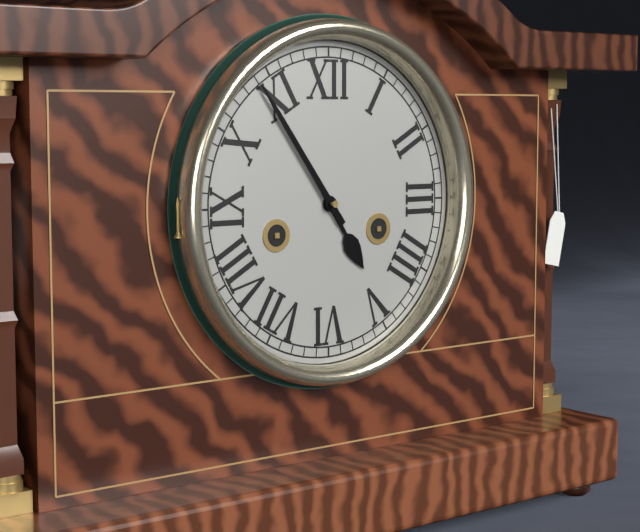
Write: 4:54
